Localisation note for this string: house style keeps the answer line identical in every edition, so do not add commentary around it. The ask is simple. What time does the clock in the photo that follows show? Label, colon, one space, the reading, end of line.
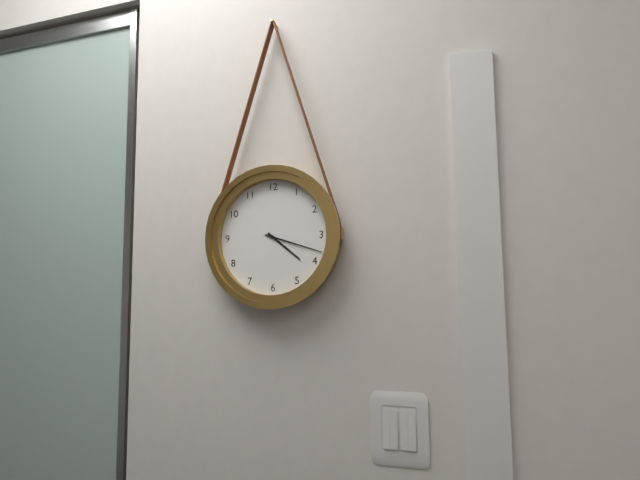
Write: 4:18
